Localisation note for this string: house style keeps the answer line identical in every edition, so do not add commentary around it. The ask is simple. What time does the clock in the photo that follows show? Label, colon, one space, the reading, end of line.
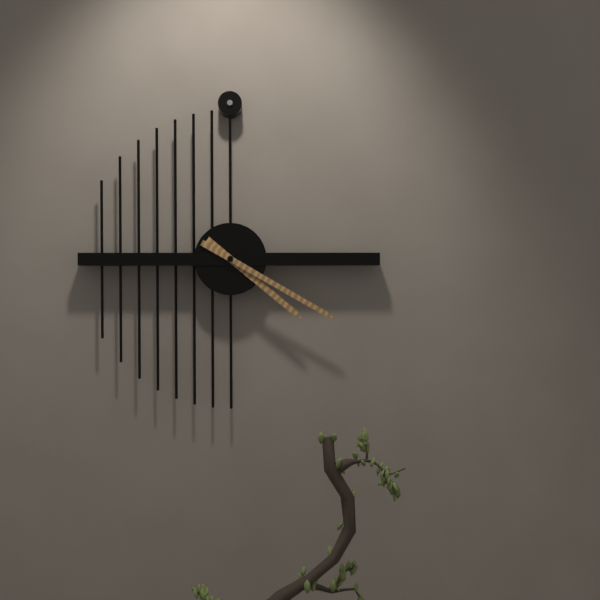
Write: 4:20
